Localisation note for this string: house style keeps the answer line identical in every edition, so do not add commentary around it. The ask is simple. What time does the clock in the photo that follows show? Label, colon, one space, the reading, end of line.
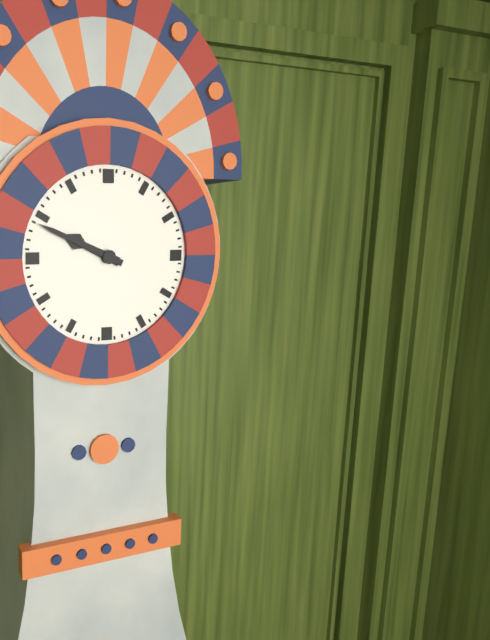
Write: 9:49
